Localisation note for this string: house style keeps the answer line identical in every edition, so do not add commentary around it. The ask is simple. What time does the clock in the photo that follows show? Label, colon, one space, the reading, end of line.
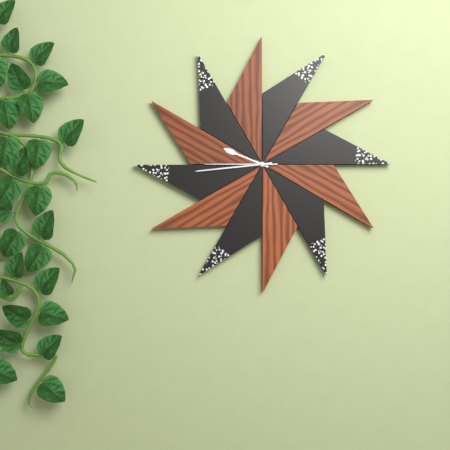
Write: 9:44:45
